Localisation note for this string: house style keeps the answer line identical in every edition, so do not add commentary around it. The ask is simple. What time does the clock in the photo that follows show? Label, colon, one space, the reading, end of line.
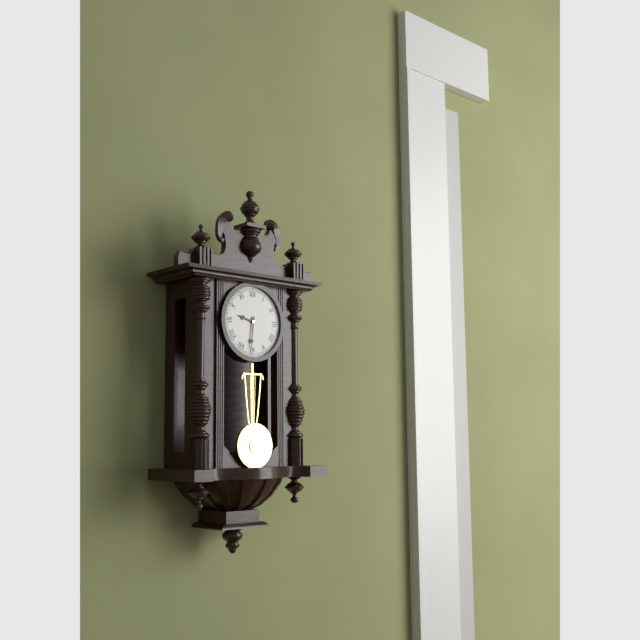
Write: 9:31
